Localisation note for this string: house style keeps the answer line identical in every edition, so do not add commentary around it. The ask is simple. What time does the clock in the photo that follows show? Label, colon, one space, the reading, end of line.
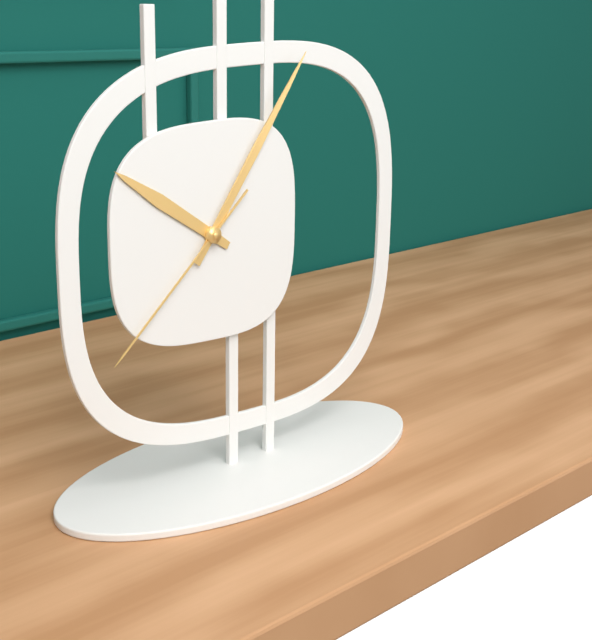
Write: 10:06:38
